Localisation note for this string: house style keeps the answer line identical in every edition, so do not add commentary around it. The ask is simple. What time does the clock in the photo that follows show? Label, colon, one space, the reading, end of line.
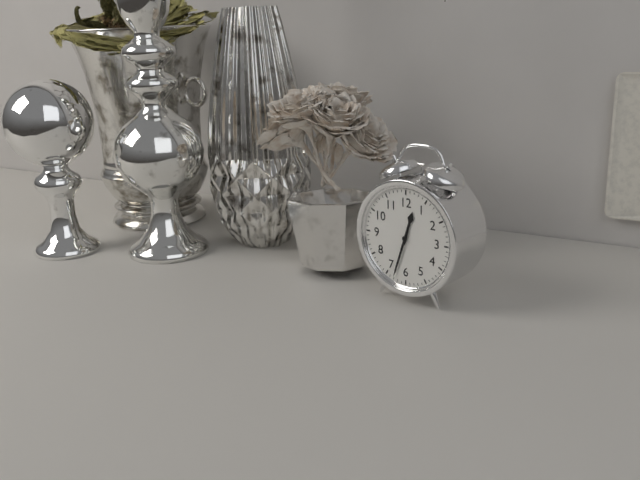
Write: 12:33
